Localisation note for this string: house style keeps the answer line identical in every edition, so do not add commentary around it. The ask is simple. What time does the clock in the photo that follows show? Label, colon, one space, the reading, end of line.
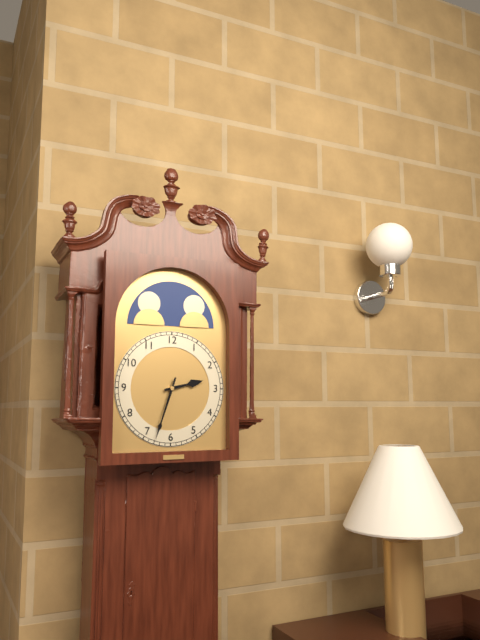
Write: 2:33
